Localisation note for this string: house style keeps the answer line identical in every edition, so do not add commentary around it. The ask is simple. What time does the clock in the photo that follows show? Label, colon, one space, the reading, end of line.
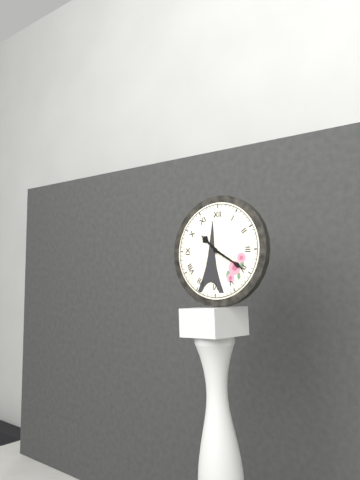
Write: 10:20
